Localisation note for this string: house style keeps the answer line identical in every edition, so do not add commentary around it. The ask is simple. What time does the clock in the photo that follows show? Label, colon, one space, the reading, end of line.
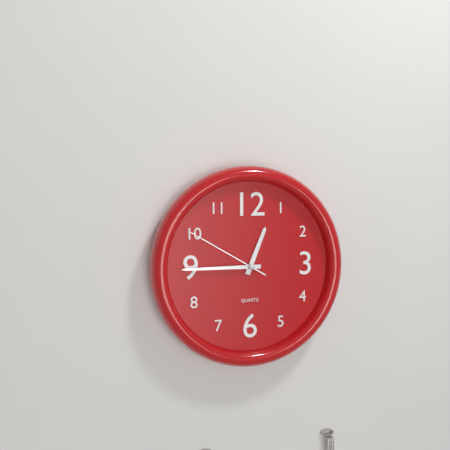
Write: 12:45:50
